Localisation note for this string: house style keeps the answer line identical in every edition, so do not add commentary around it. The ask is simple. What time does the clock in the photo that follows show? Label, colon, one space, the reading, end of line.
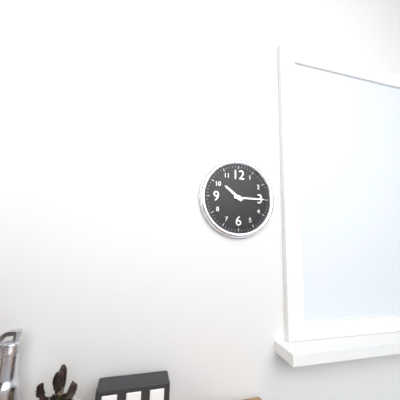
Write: 10:15
